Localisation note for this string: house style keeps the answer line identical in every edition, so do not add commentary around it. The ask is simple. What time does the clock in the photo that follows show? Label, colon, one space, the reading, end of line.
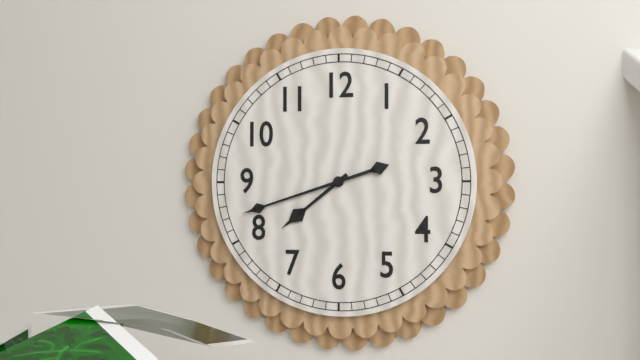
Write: 7:42
